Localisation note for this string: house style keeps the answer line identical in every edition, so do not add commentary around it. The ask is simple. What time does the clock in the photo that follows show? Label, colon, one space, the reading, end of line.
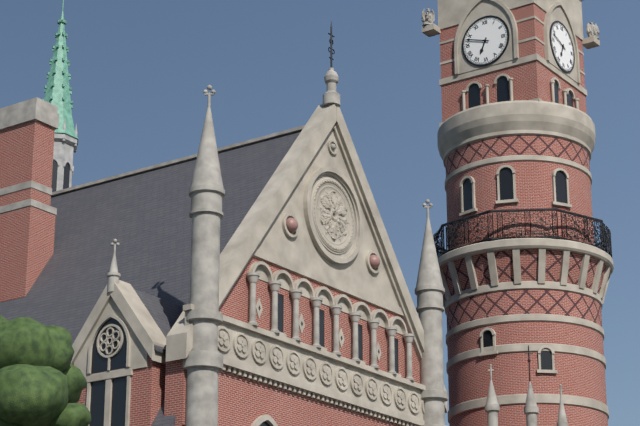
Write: 6:48
